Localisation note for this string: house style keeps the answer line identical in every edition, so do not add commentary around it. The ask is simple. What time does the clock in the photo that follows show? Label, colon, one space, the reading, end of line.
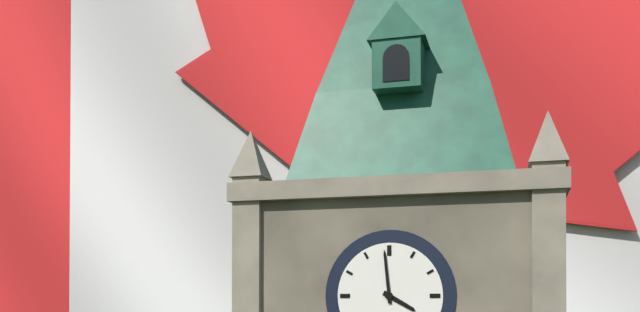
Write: 3:59
